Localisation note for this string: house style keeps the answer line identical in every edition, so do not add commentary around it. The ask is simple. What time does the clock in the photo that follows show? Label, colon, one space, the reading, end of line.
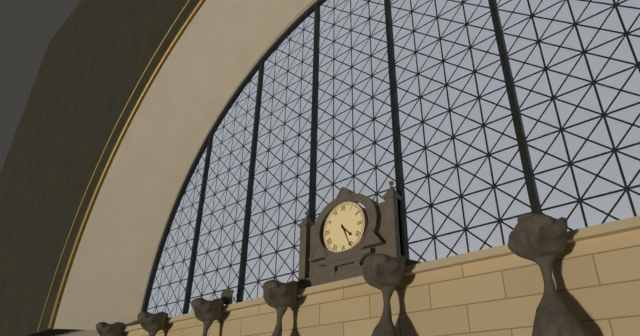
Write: 4:26
